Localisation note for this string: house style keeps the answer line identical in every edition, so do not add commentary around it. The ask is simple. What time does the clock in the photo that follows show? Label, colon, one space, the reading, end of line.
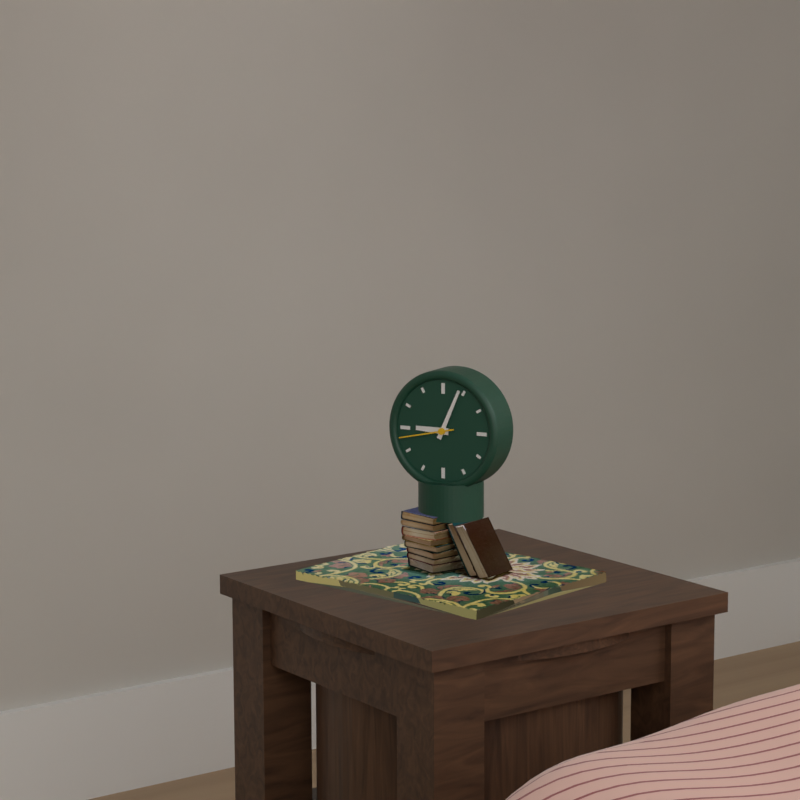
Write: 9:04:43
